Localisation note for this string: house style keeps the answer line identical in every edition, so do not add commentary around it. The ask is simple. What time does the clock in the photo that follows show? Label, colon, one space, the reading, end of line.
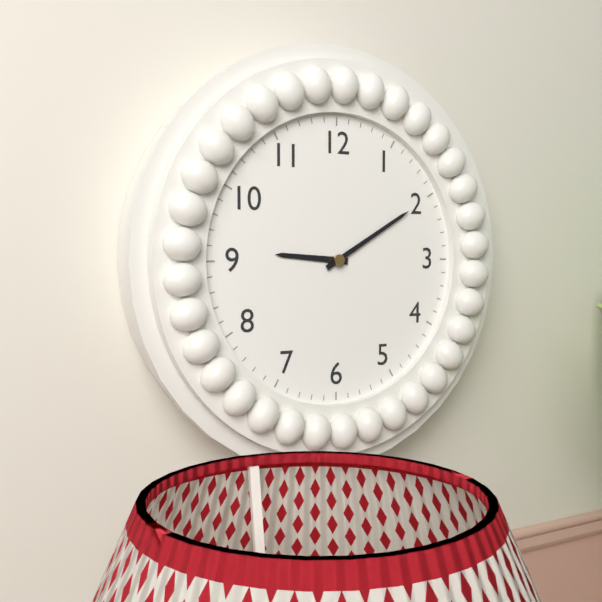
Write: 9:10
